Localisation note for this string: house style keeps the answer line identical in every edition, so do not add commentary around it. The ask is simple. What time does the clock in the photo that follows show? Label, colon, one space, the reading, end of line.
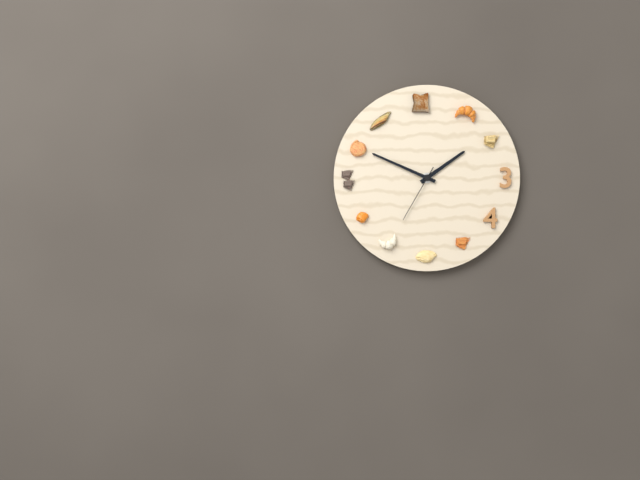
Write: 1:49:35
